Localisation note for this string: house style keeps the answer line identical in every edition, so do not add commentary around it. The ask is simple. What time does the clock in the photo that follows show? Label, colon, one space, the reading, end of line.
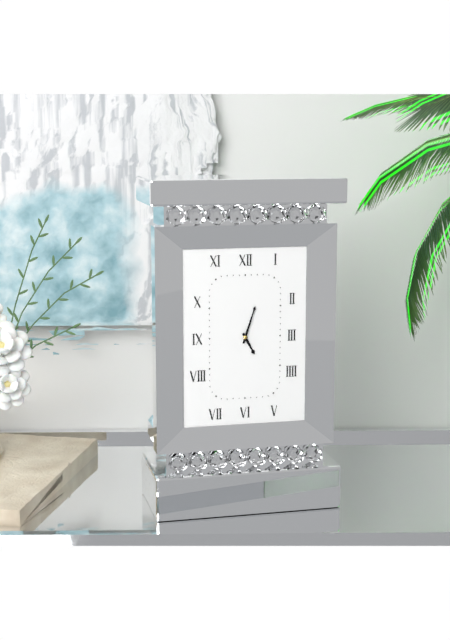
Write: 5:03
